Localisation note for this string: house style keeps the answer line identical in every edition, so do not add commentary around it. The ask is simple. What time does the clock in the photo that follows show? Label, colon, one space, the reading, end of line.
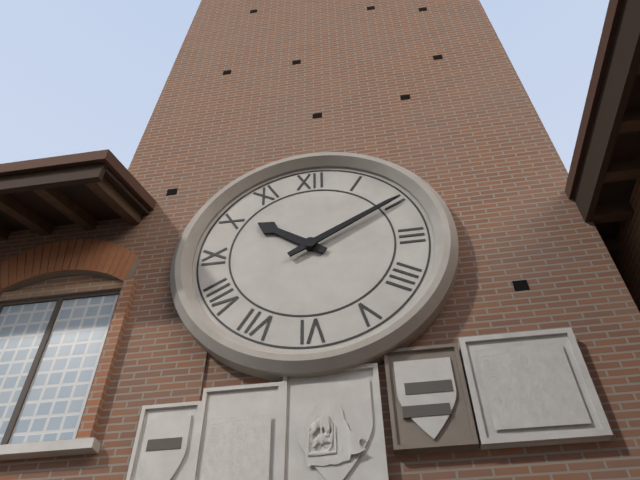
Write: 10:10
